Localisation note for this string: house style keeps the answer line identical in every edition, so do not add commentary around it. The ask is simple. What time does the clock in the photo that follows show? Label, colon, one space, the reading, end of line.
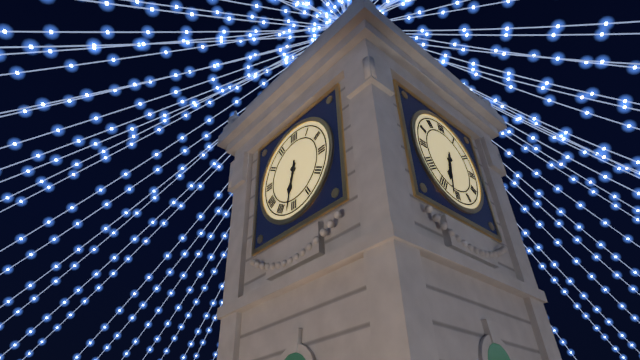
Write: 6:32
